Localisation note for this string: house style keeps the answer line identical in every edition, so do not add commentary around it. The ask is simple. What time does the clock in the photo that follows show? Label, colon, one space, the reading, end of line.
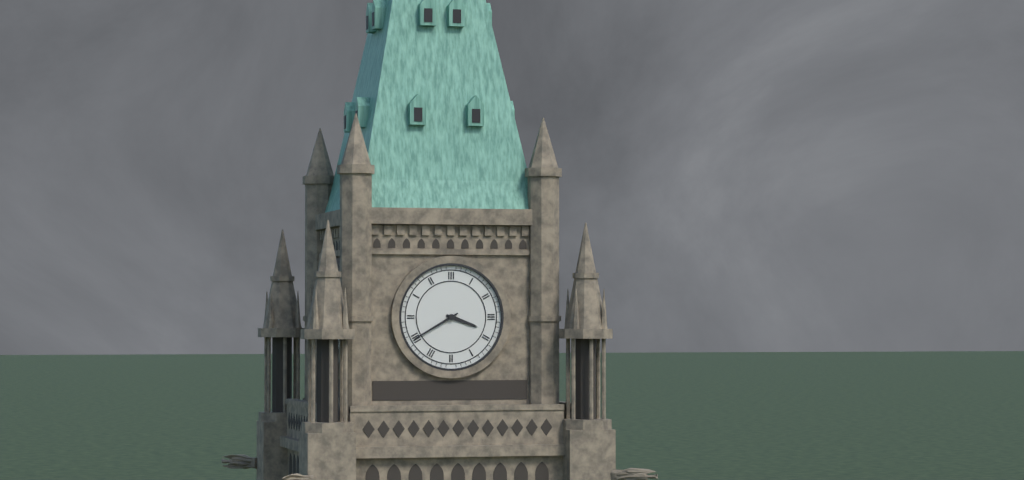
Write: 3:40
